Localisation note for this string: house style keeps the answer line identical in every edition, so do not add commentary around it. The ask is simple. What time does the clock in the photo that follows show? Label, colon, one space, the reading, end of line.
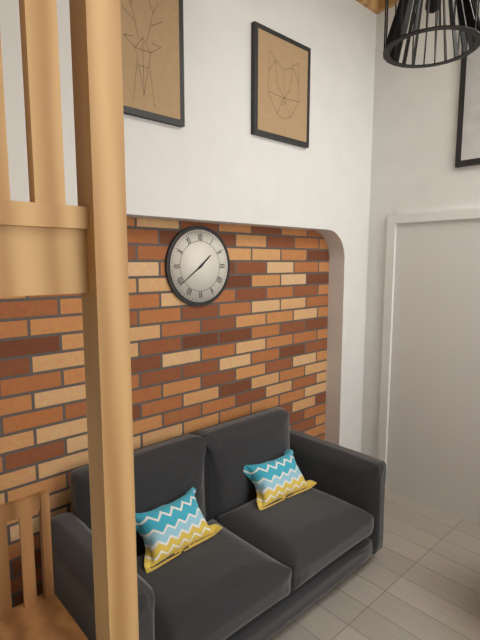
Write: 1:39
